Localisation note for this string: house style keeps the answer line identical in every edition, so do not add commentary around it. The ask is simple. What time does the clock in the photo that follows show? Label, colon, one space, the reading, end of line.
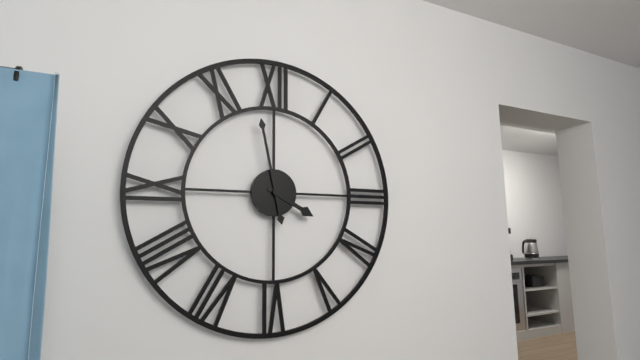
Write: 3:58
